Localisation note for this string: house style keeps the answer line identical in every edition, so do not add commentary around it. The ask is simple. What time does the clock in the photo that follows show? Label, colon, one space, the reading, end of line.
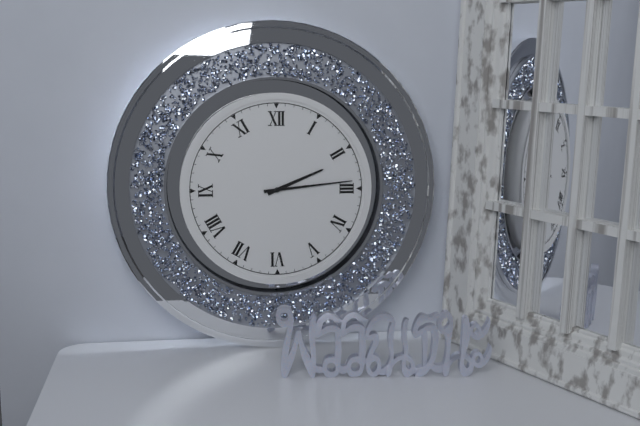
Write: 2:14
